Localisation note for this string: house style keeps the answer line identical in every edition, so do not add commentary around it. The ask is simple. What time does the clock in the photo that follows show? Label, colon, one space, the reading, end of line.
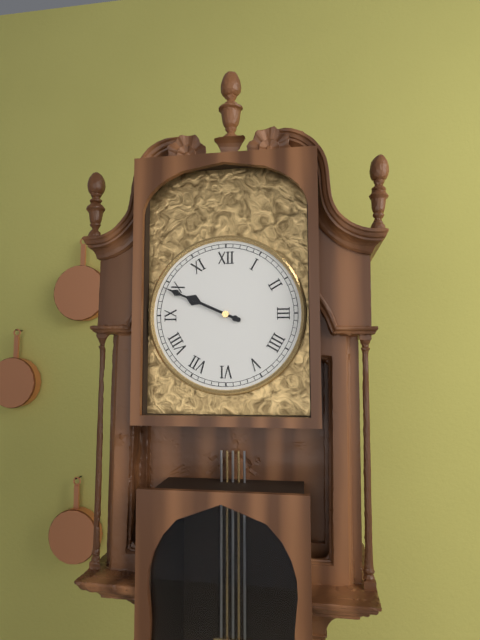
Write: 9:49
